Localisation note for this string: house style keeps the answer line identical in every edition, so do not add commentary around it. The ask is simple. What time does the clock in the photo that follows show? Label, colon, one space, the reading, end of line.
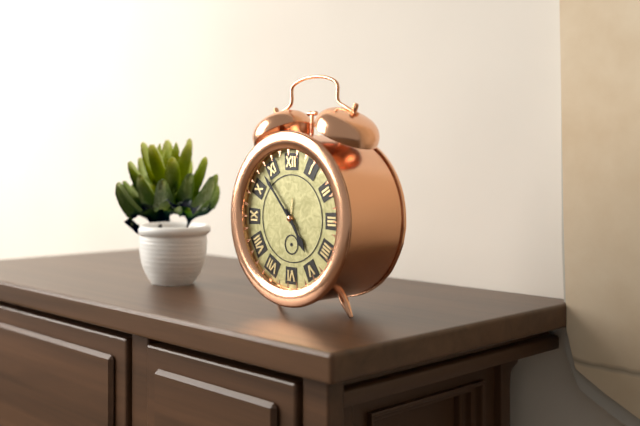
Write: 4:53
